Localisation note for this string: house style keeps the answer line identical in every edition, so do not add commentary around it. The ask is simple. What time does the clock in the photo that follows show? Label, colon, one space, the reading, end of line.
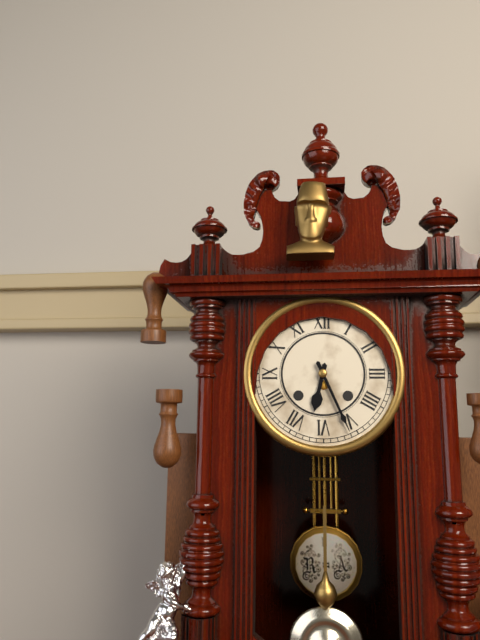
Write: 6:26
